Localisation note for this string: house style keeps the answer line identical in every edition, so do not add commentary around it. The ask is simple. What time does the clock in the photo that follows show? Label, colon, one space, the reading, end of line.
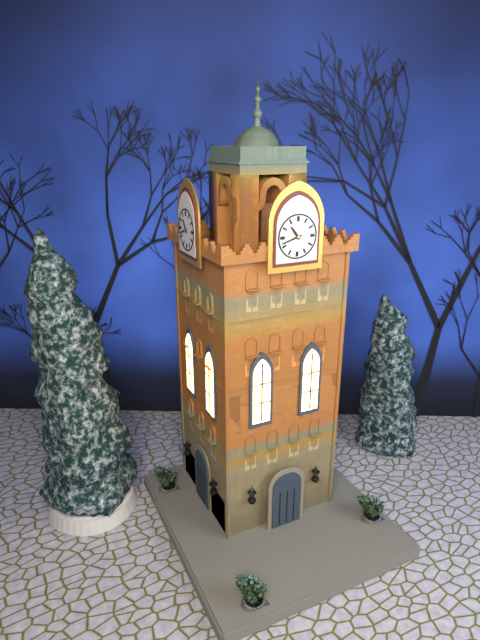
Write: 10:42
